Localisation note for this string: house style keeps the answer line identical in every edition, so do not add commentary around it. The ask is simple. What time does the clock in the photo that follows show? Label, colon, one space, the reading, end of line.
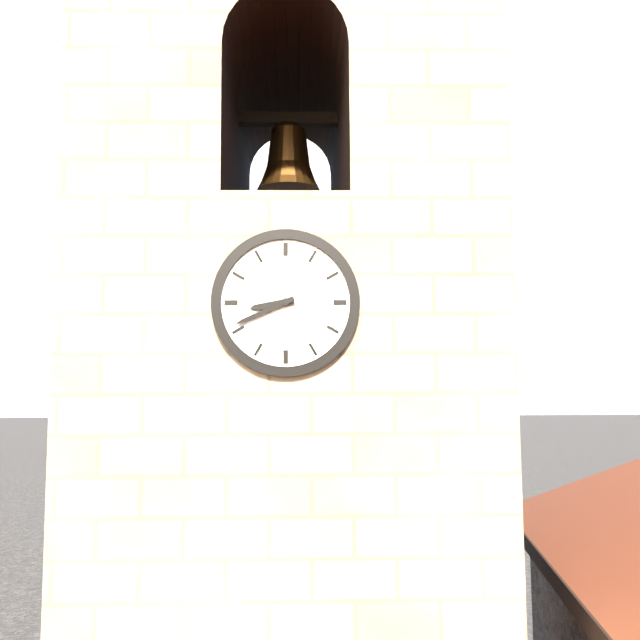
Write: 8:41
